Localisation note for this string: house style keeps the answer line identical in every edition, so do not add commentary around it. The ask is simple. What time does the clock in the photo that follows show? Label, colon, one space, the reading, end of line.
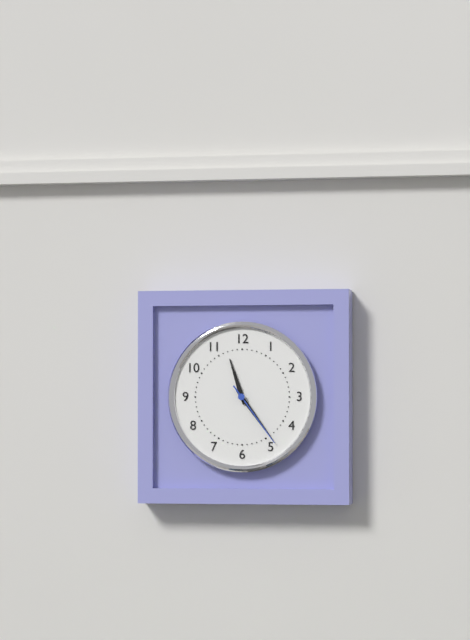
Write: 11:24:24
